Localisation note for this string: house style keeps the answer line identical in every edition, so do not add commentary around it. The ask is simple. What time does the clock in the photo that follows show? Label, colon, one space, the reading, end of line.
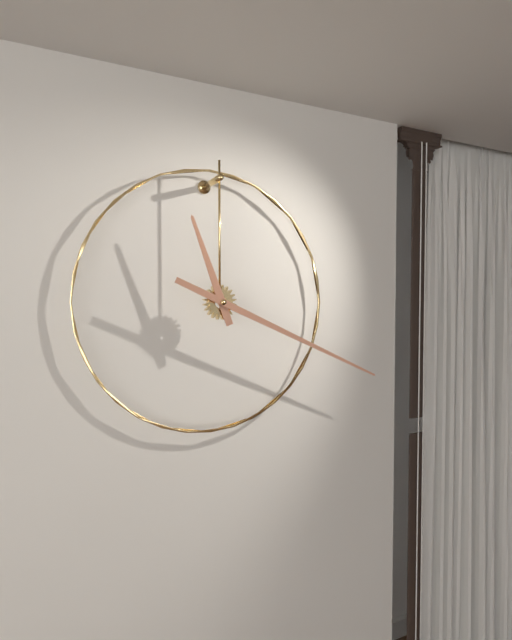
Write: 11:19
